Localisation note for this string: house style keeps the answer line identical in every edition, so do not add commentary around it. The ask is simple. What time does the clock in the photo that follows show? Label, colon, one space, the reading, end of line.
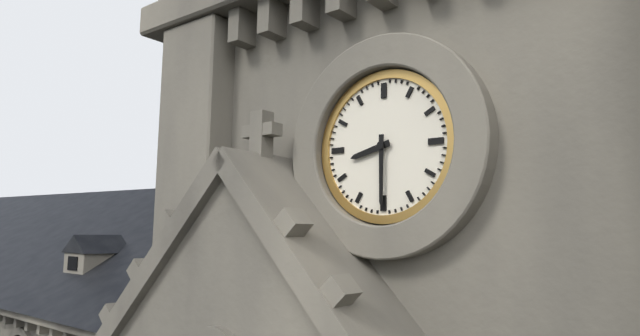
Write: 8:30
